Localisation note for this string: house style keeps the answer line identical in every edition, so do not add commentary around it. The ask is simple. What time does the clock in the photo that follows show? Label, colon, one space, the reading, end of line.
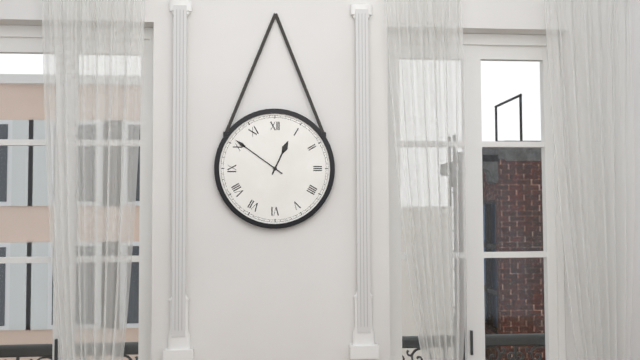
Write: 12:51
